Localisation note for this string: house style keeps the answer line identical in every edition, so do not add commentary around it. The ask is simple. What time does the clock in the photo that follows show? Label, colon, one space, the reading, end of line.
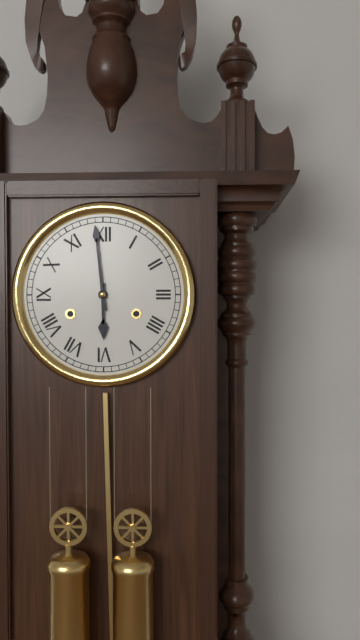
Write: 5:59
